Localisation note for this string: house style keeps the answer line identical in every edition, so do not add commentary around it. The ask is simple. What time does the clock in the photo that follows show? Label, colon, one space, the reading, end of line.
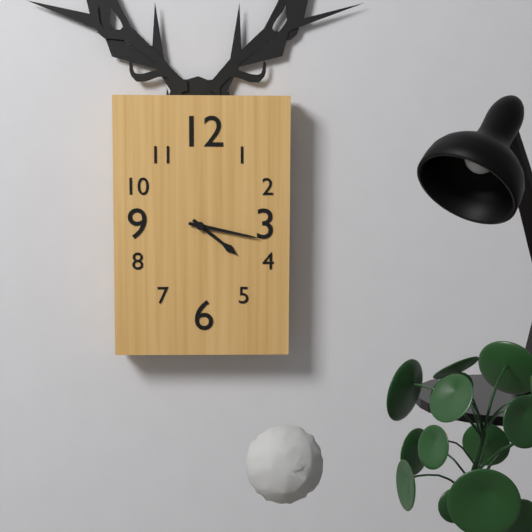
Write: 4:17
